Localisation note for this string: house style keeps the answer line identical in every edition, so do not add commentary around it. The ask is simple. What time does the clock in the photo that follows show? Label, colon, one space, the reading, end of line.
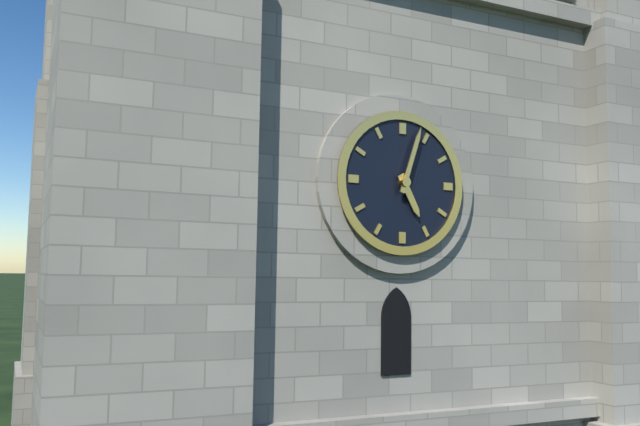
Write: 5:03
